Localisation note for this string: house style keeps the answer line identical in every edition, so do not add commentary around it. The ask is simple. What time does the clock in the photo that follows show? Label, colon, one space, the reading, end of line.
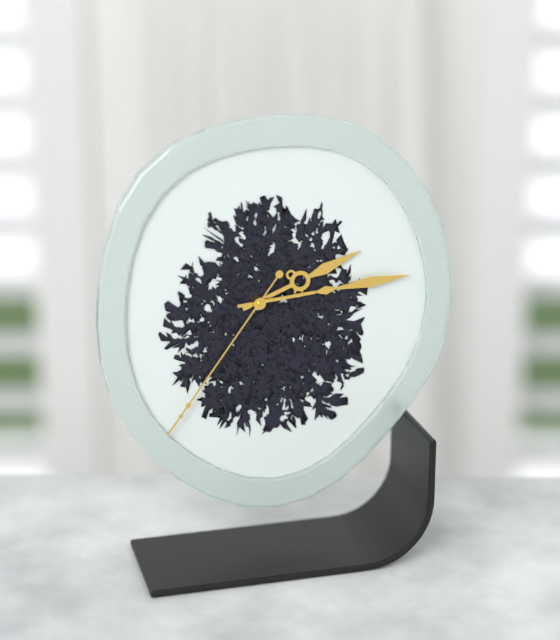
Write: 2:14:36
